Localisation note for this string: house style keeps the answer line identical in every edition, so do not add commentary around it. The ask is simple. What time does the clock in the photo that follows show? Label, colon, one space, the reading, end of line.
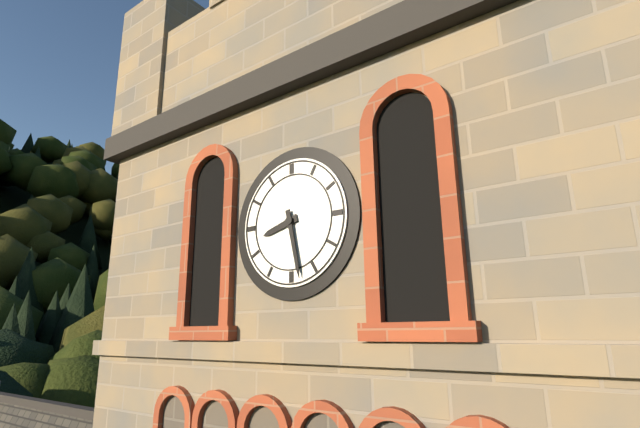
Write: 8:28
